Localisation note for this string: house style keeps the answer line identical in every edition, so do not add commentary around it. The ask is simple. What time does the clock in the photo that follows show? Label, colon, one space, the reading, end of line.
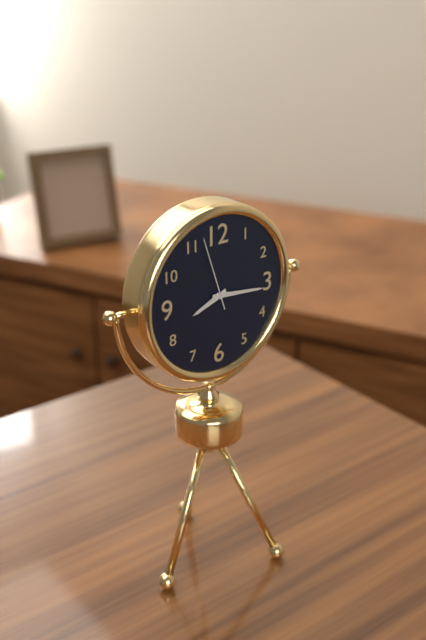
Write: 8:16:57
